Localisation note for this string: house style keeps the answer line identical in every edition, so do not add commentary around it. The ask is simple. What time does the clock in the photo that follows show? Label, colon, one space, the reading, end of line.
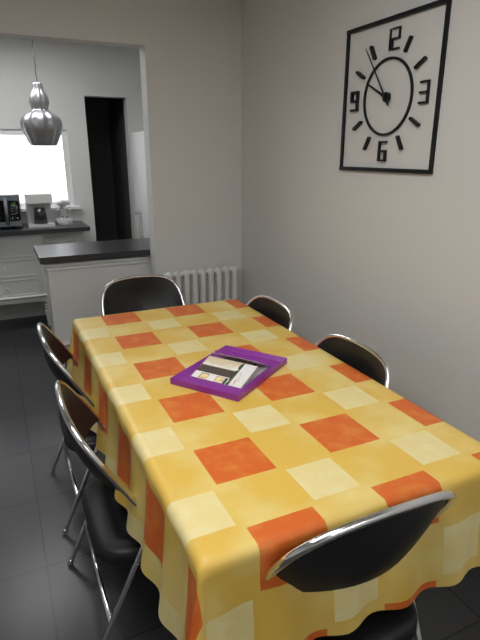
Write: 9:54
